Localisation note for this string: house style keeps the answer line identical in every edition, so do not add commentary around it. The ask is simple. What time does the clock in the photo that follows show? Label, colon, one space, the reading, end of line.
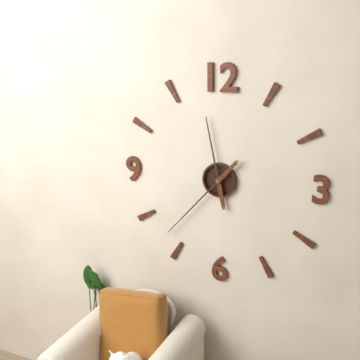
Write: 11:37
